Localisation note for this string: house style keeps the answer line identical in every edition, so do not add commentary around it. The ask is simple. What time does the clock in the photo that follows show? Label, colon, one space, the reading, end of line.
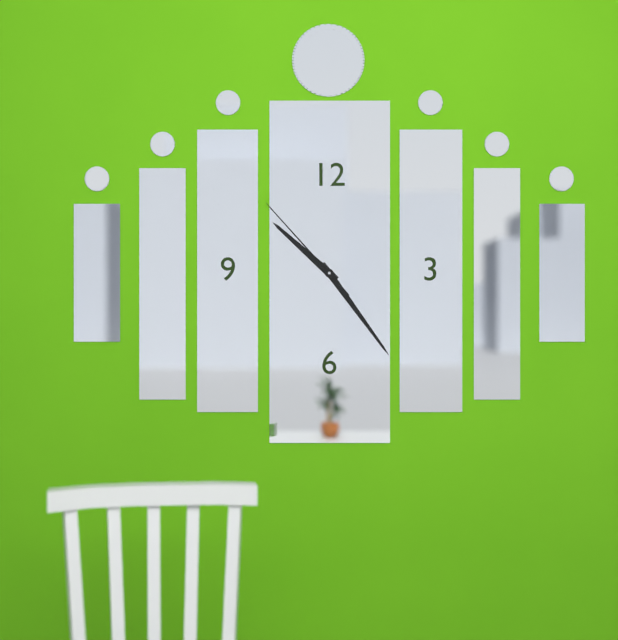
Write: 10:24:53
